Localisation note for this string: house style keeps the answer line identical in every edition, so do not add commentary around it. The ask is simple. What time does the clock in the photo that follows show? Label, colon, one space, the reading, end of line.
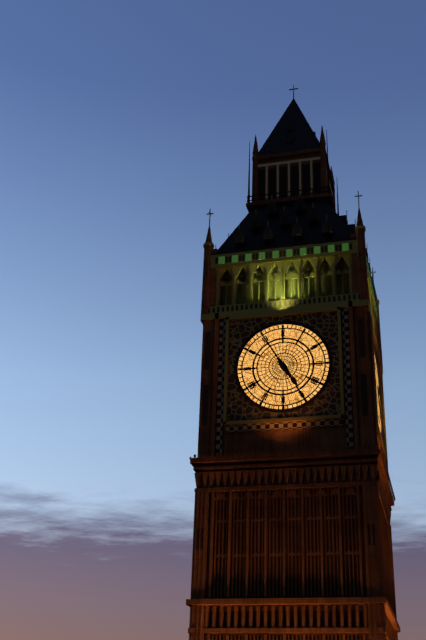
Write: 4:55
